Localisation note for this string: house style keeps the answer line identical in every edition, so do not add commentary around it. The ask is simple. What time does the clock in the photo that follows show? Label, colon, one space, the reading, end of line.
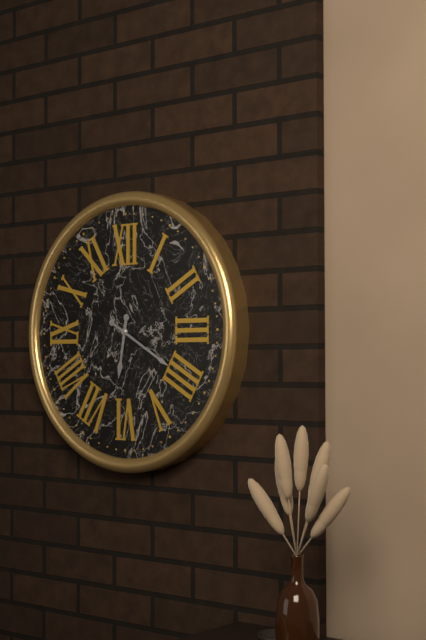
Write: 6:20
